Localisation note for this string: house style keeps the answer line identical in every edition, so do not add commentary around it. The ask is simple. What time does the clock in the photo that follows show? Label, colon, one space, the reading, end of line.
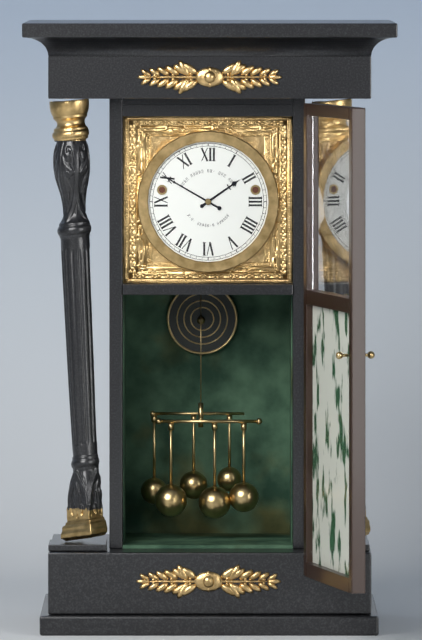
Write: 1:50
